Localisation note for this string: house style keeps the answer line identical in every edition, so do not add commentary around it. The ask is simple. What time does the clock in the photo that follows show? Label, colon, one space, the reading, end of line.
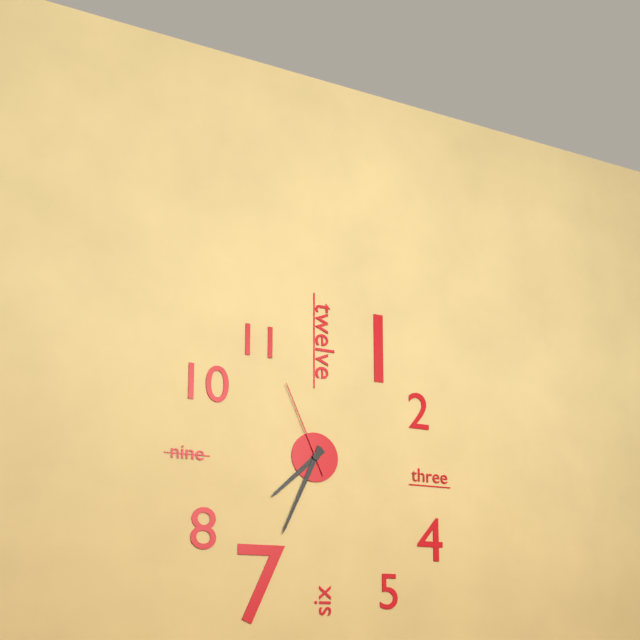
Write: 7:34:56
